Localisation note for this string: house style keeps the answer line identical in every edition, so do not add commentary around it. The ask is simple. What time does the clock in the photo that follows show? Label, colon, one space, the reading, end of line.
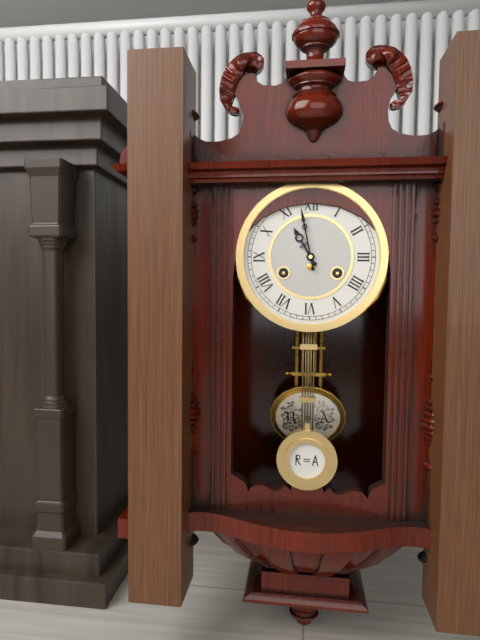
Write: 10:58
